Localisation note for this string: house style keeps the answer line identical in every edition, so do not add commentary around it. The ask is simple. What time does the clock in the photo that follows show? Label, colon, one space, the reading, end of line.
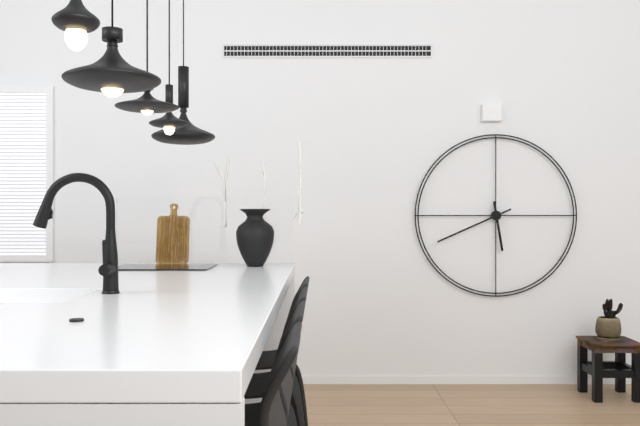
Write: 5:41
